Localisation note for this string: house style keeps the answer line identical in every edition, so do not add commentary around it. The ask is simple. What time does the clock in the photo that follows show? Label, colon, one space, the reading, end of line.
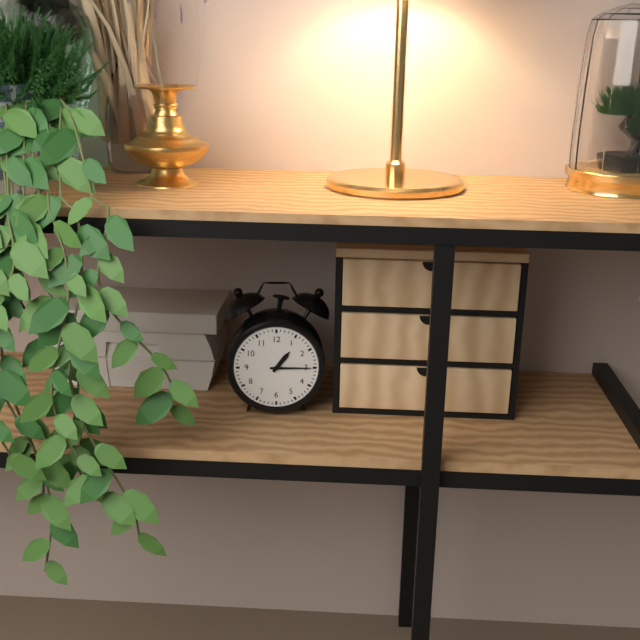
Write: 1:15
